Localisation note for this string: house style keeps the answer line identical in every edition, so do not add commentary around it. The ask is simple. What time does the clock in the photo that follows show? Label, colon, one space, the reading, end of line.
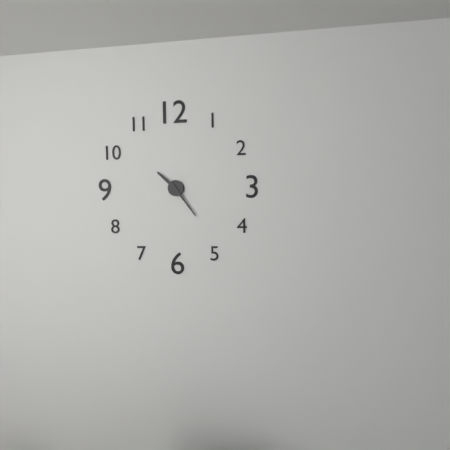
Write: 10:24
